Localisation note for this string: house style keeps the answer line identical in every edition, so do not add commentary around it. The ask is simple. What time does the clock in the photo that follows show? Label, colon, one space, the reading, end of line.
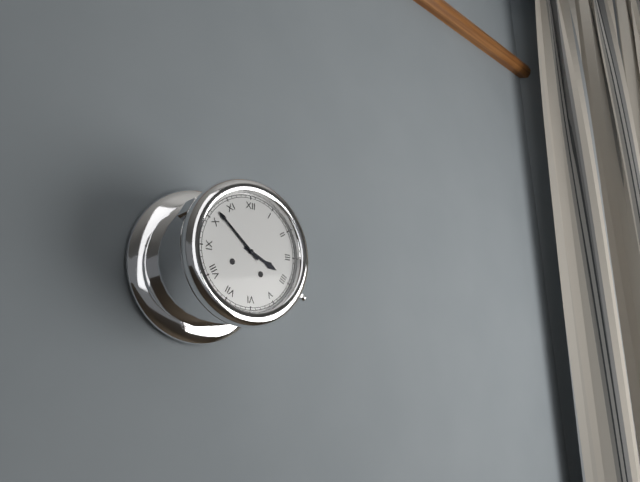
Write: 3:52
